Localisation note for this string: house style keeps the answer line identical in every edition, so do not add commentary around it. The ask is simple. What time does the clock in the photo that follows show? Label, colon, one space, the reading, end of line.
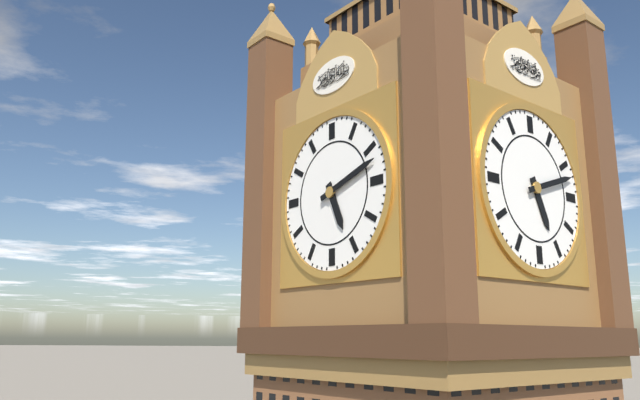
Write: 5:12
